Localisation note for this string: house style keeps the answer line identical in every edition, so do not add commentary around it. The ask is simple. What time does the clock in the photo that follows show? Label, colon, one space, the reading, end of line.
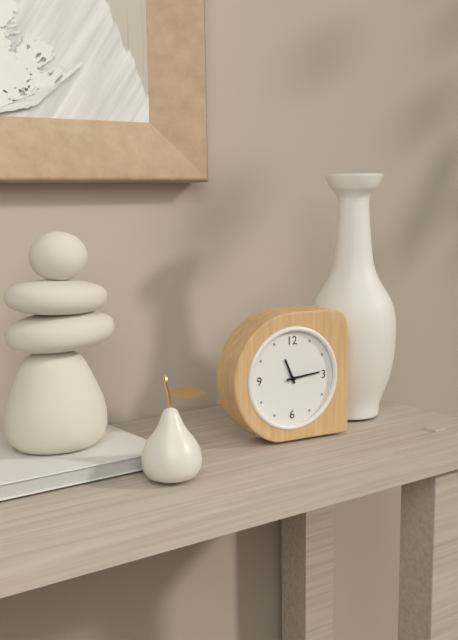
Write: 11:14
